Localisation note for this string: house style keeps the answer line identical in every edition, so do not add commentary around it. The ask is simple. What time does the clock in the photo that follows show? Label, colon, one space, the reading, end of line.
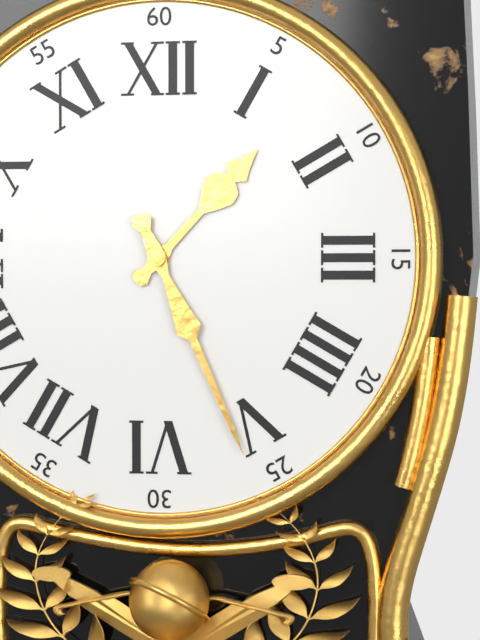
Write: 1:26
